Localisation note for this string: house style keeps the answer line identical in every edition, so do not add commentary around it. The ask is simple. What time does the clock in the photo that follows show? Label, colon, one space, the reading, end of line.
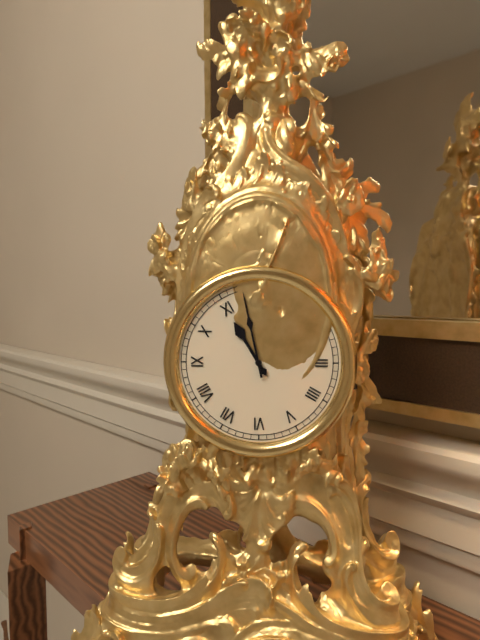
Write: 10:58
